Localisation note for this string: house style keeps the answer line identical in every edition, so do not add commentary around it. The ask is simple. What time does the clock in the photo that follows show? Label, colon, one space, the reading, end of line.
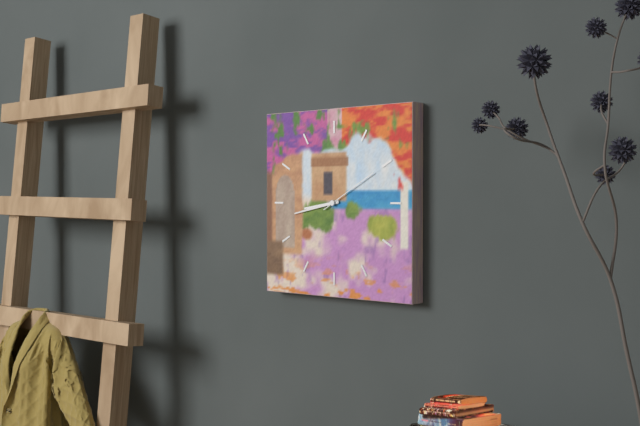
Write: 8:43:10
